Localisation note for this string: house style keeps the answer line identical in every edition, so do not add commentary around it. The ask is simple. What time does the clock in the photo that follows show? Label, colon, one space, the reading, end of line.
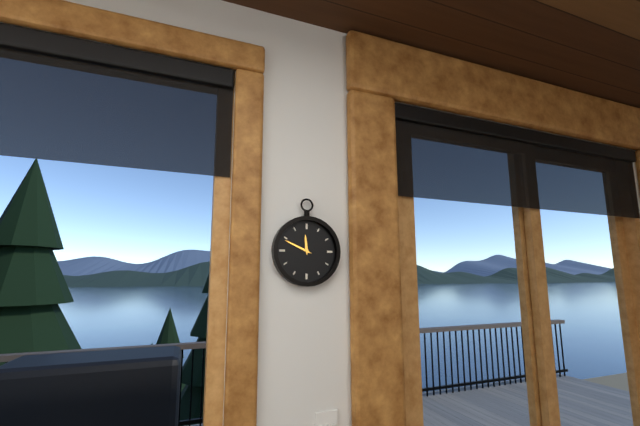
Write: 11:49
